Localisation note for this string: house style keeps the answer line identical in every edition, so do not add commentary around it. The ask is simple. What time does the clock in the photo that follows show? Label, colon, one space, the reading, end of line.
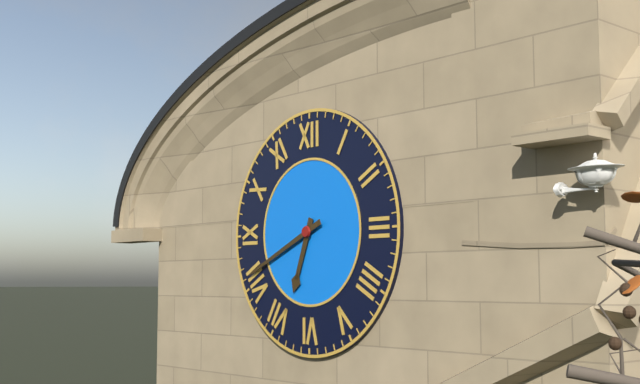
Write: 6:41
